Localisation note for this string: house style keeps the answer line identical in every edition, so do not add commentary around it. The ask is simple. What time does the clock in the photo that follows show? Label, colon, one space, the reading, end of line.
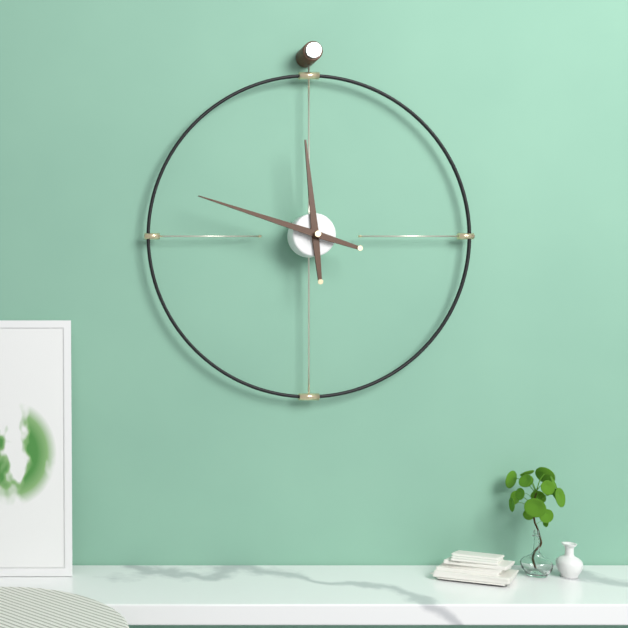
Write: 11:48
